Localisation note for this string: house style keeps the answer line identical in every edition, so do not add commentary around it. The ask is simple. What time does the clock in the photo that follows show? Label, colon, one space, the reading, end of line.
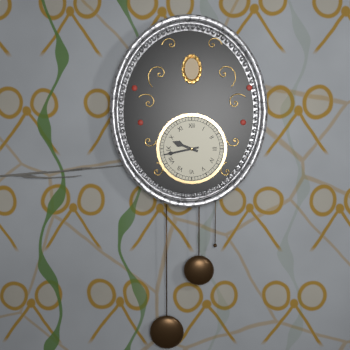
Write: 9:43
